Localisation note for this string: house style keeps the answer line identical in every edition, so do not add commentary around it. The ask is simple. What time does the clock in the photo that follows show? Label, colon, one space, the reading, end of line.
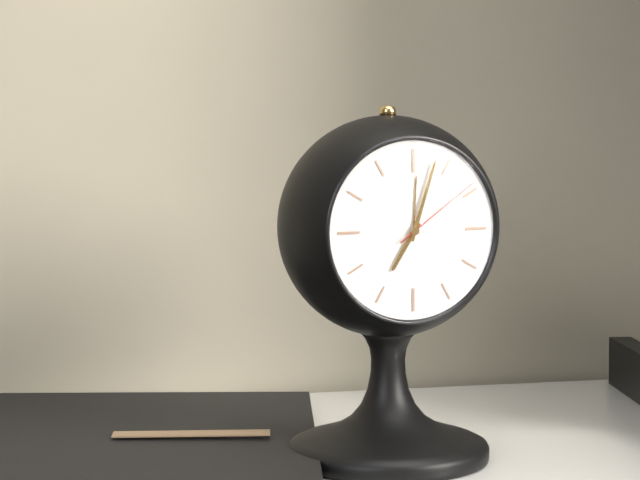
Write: 7:03:09
